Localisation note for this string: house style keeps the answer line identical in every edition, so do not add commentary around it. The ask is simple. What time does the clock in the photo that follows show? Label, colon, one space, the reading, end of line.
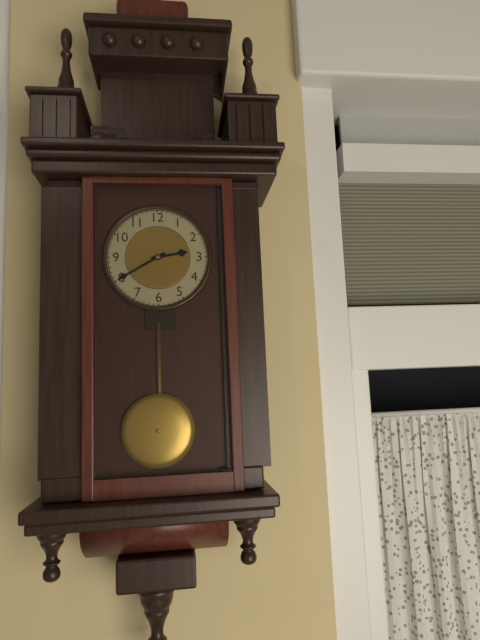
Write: 2:40
